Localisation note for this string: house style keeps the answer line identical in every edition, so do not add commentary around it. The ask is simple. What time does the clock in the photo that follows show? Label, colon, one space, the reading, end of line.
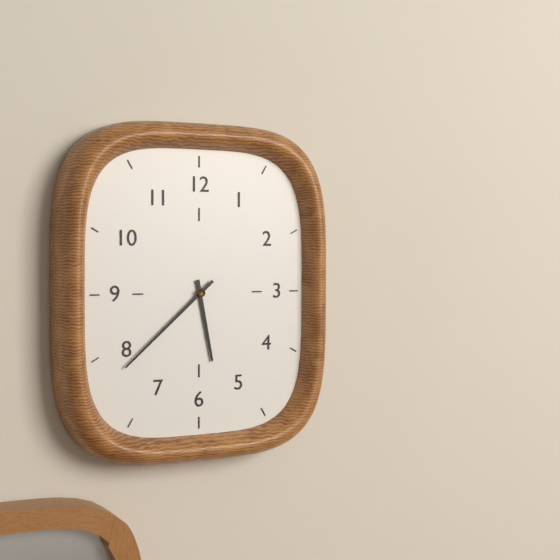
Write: 5:38
